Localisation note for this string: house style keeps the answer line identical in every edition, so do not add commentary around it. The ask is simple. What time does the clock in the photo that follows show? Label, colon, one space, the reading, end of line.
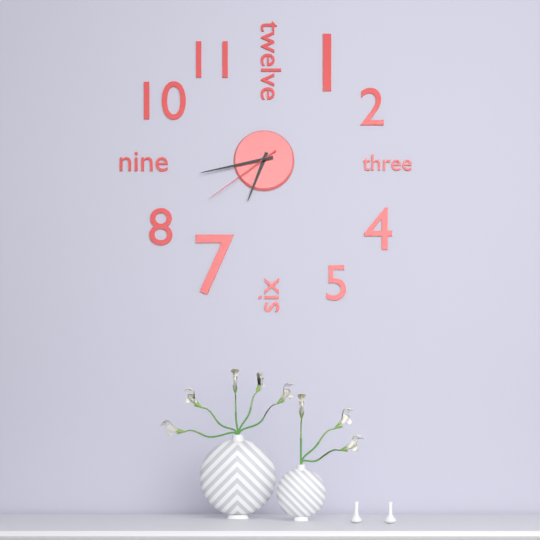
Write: 6:43:39
